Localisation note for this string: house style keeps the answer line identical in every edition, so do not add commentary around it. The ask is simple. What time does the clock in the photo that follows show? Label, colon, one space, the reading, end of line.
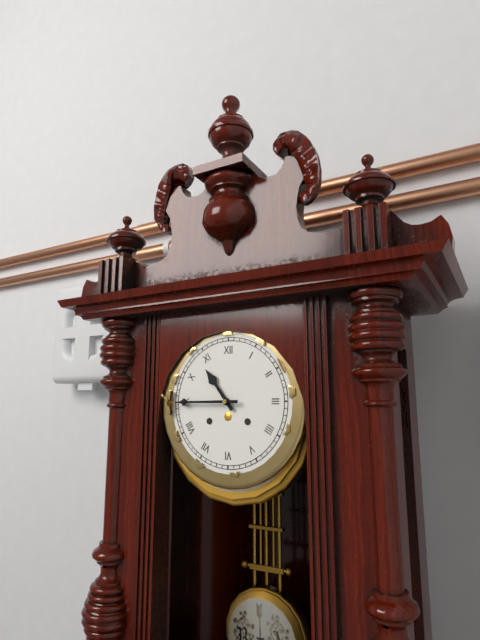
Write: 10:45
